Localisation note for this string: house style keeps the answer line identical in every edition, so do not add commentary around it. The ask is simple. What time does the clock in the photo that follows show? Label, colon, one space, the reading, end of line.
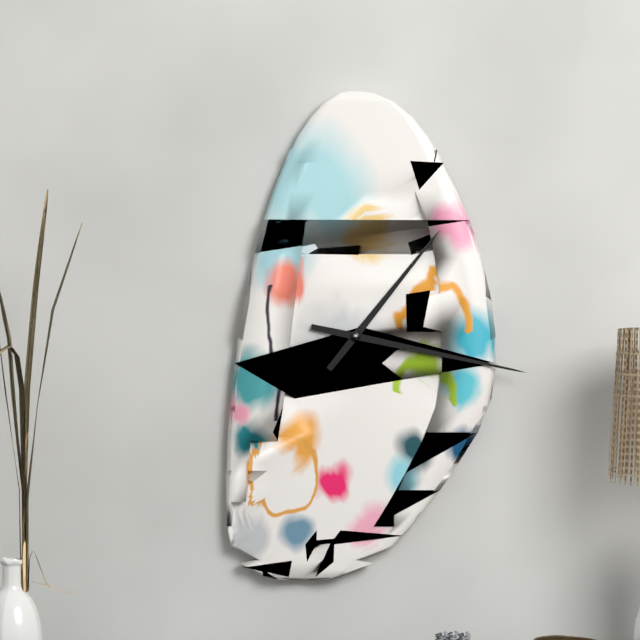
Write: 1:17
